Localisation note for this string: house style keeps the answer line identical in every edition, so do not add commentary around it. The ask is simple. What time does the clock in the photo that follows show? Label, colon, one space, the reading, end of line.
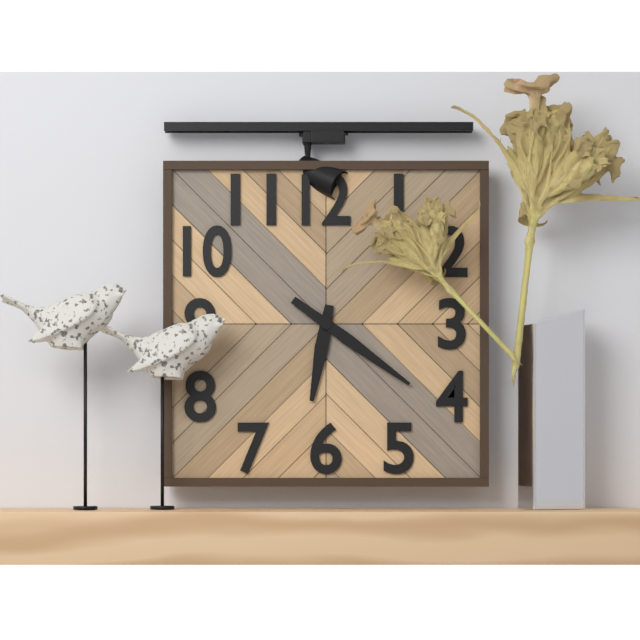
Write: 6:21
